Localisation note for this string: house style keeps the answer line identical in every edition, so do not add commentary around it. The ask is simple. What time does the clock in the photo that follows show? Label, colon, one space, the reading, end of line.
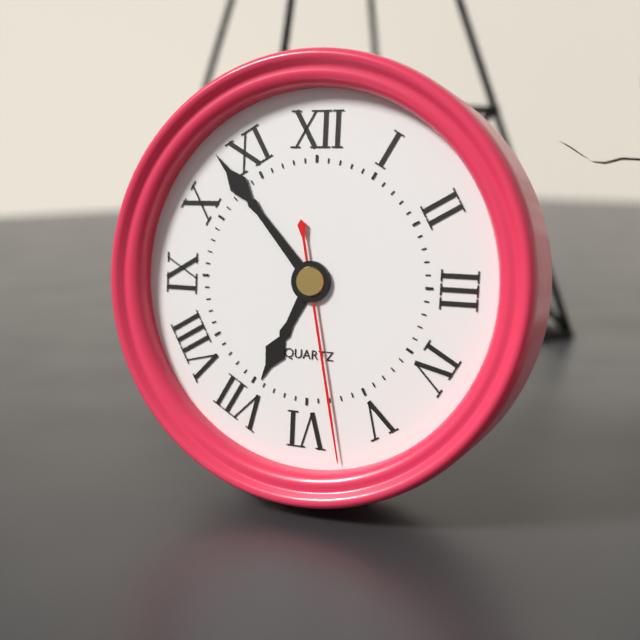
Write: 6:53:28
